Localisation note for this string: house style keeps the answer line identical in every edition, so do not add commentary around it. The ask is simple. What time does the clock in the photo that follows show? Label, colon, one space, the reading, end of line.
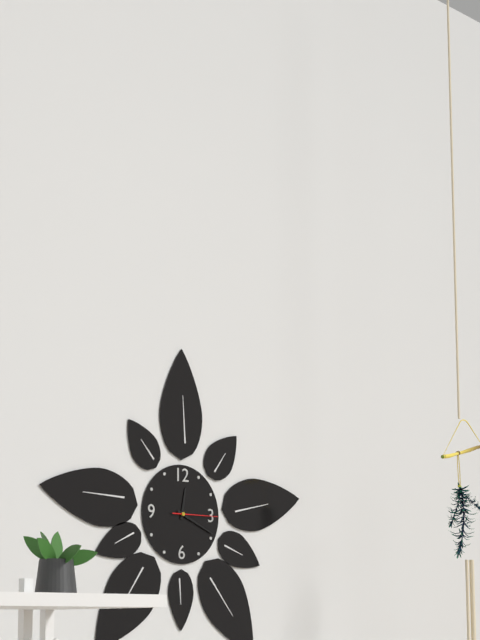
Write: 12:19
